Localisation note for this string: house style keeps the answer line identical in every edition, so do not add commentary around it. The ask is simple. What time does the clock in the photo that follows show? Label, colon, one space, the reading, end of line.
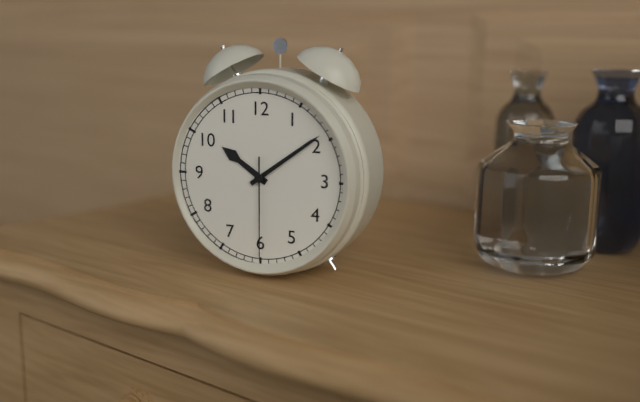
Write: 10:09:30
